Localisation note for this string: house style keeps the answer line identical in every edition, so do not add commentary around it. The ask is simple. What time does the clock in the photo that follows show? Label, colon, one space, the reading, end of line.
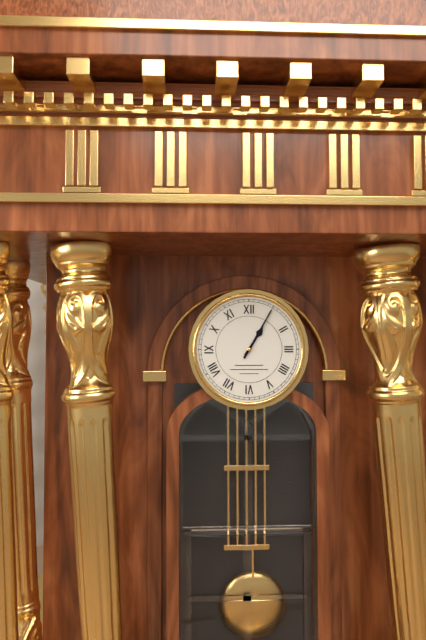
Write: 1:05
